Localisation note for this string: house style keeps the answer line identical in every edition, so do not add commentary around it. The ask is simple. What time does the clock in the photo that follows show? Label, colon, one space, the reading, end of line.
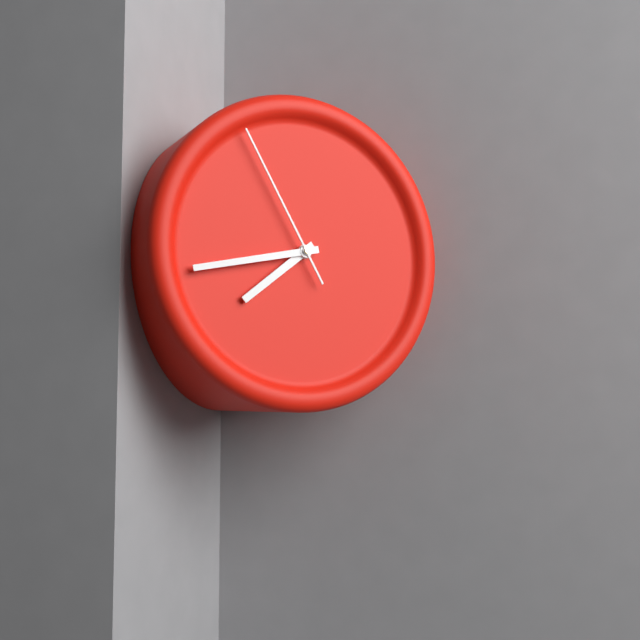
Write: 7:43:55
